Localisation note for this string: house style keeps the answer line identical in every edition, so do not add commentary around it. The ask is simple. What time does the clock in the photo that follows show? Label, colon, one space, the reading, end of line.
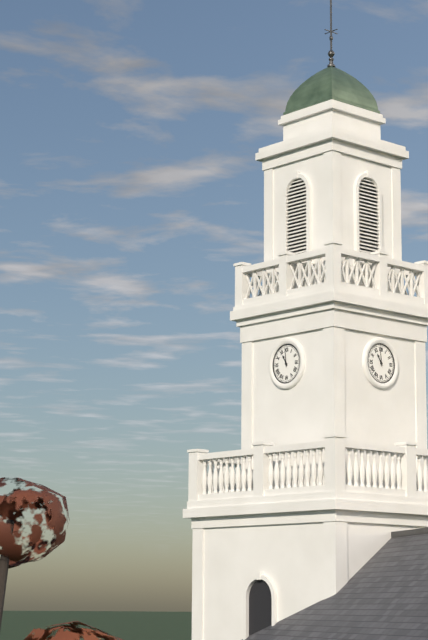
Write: 10:59
